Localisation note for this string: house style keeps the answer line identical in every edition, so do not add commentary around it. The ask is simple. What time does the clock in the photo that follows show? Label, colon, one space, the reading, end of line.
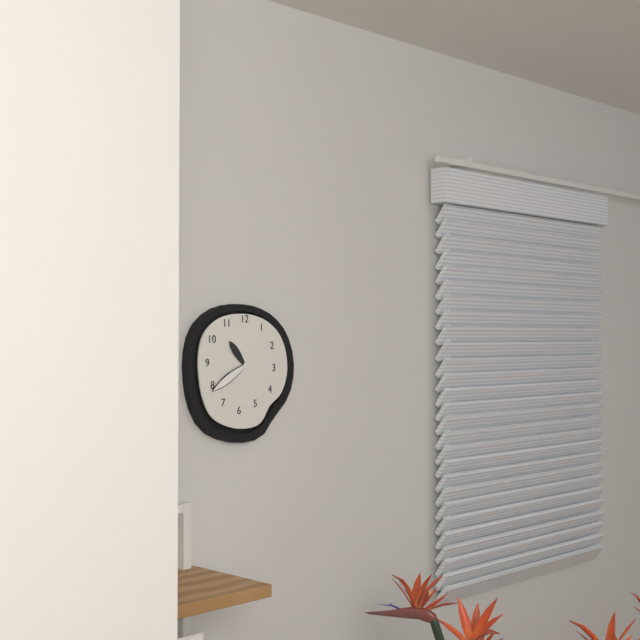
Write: 10:40
